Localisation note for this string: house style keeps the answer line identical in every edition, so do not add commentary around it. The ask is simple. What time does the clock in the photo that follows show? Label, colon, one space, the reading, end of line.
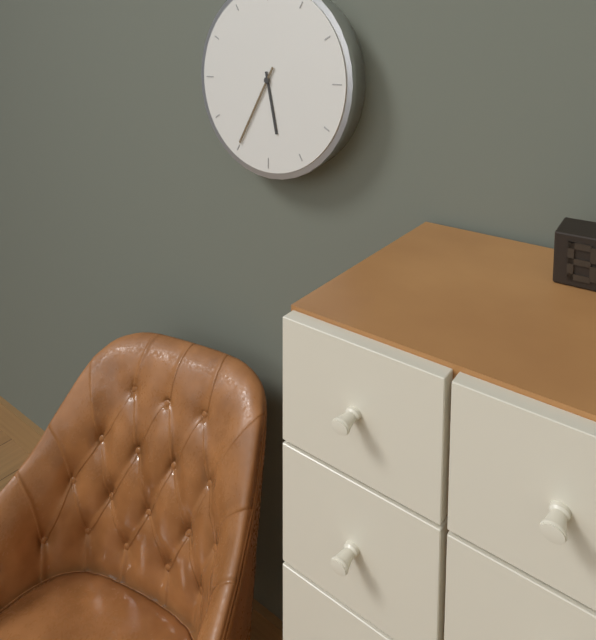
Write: 5:35
